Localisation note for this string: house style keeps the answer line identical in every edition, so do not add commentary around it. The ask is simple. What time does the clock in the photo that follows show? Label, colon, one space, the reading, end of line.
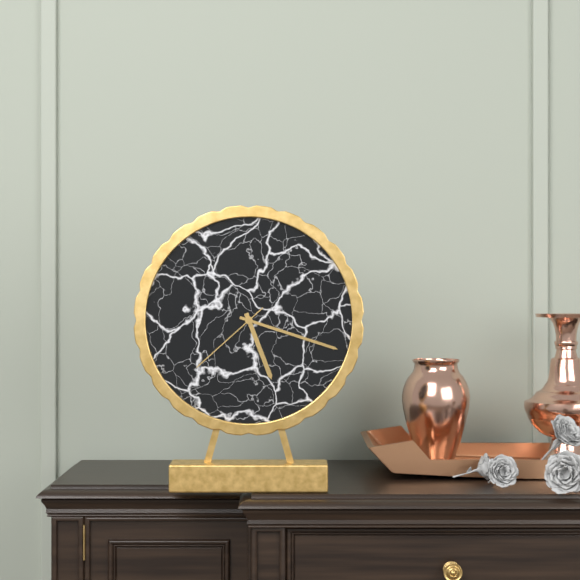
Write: 5:18:38
